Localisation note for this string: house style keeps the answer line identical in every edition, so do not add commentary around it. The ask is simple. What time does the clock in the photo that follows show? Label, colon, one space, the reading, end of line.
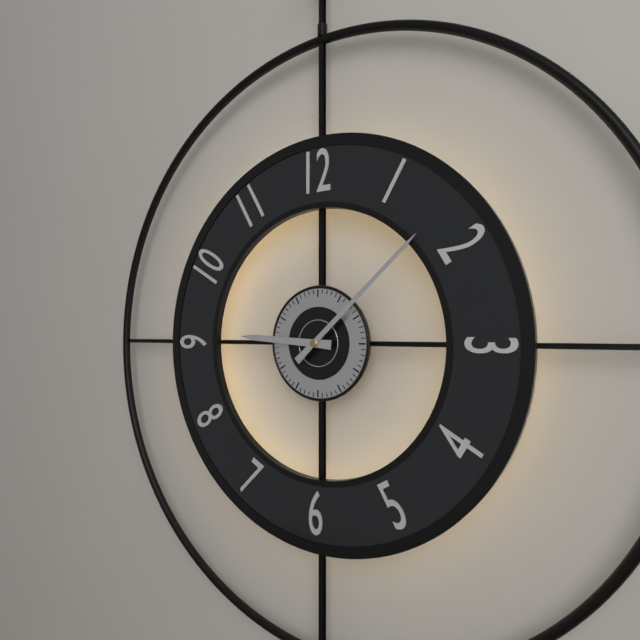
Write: 9:08
